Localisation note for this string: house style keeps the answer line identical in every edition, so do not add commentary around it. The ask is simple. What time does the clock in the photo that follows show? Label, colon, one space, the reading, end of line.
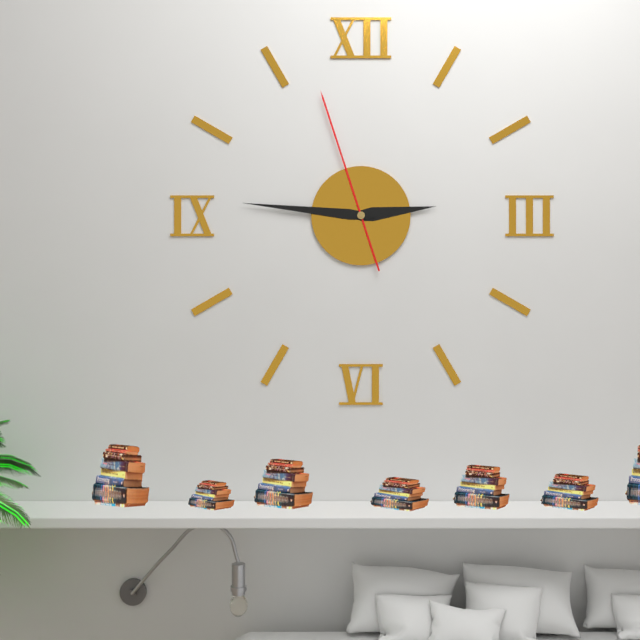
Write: 2:46:57
